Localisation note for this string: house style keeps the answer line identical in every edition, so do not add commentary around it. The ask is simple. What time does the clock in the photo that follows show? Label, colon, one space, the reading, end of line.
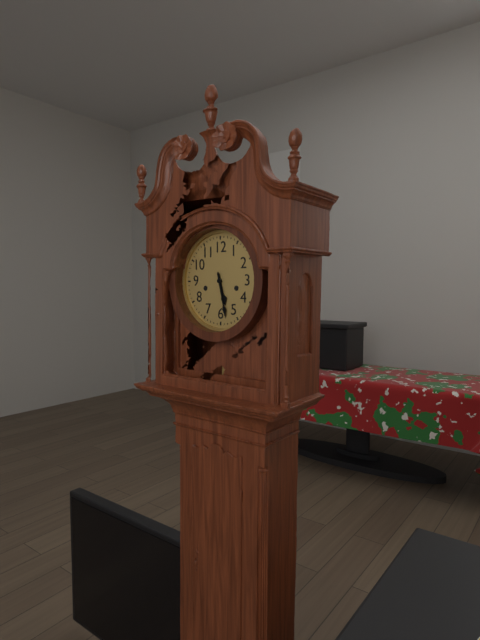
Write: 5:28
